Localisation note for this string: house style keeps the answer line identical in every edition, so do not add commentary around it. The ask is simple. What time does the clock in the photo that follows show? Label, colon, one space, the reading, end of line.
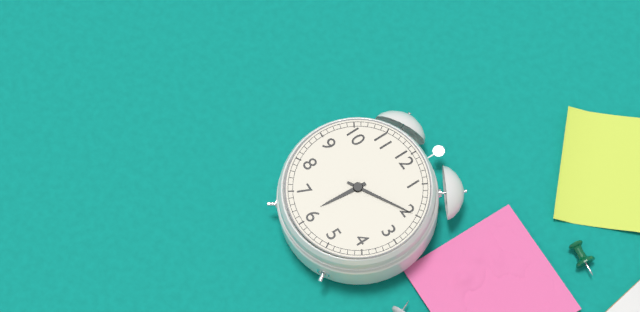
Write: 6:10
